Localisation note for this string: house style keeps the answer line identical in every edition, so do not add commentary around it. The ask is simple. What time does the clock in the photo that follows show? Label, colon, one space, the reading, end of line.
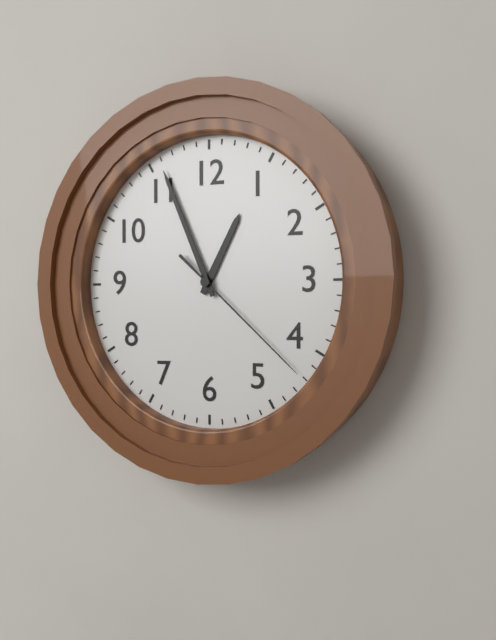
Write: 12:56:22
